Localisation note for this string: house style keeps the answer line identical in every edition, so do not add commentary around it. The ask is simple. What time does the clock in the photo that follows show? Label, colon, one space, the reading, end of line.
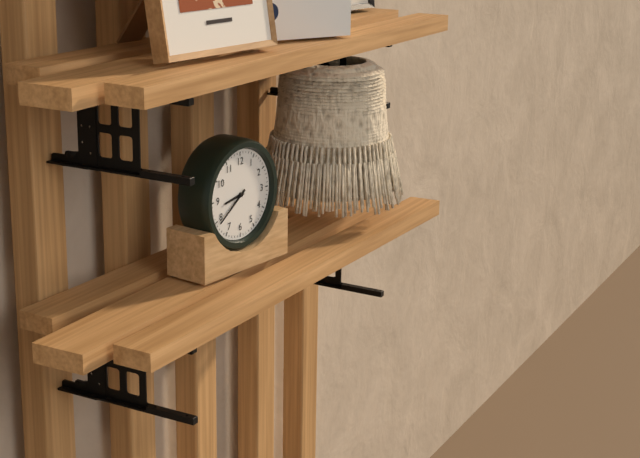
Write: 8:39
